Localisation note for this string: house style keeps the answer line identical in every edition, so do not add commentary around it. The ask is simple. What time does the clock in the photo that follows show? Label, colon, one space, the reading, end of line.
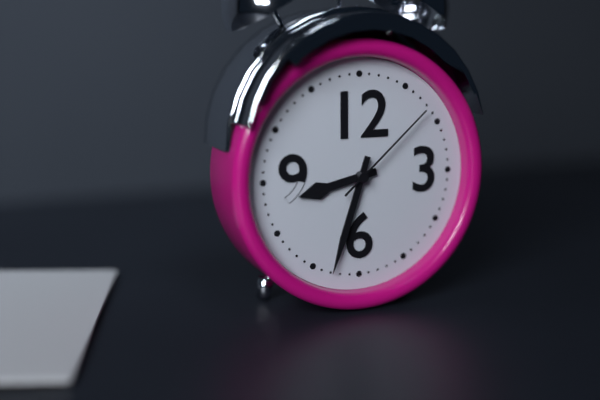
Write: 8:33:08
